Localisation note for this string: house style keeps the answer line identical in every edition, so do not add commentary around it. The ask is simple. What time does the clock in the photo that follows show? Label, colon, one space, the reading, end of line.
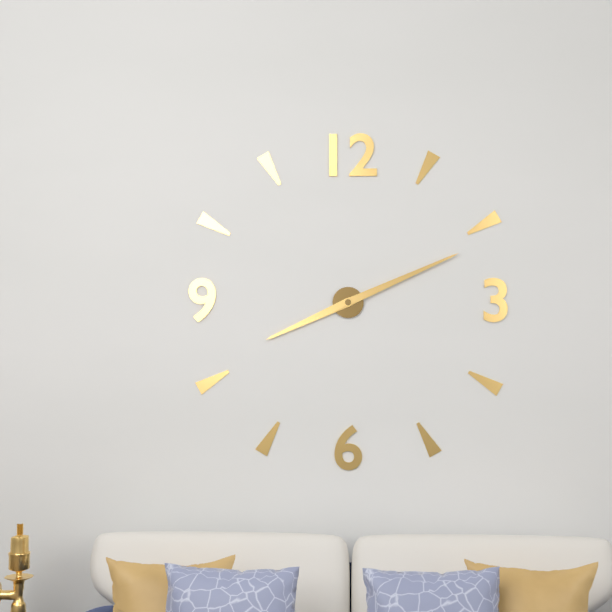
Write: 8:11
